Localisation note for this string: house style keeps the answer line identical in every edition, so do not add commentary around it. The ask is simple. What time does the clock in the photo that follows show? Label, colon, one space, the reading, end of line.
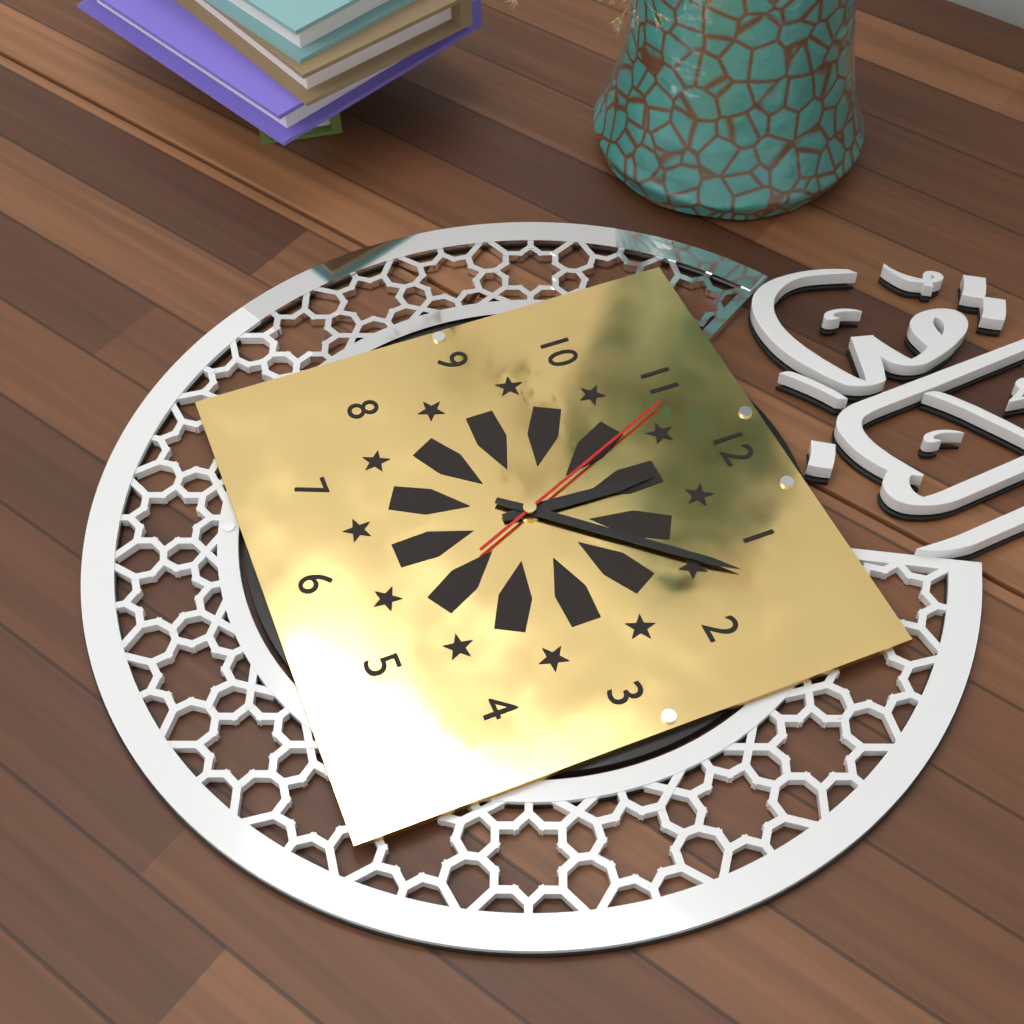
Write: 12:07:56
